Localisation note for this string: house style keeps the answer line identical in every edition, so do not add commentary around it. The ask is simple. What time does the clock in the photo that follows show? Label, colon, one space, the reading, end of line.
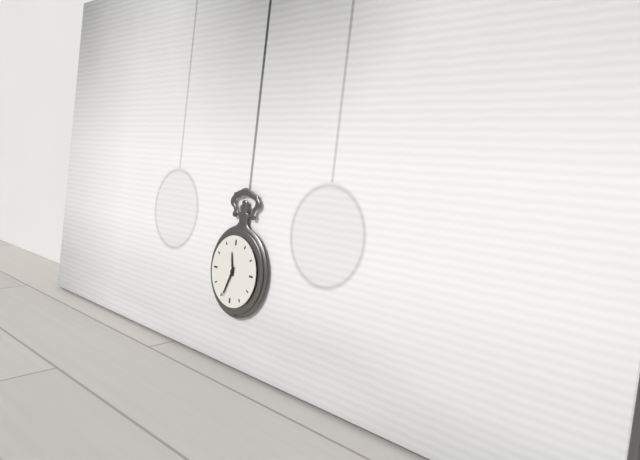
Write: 11:34
